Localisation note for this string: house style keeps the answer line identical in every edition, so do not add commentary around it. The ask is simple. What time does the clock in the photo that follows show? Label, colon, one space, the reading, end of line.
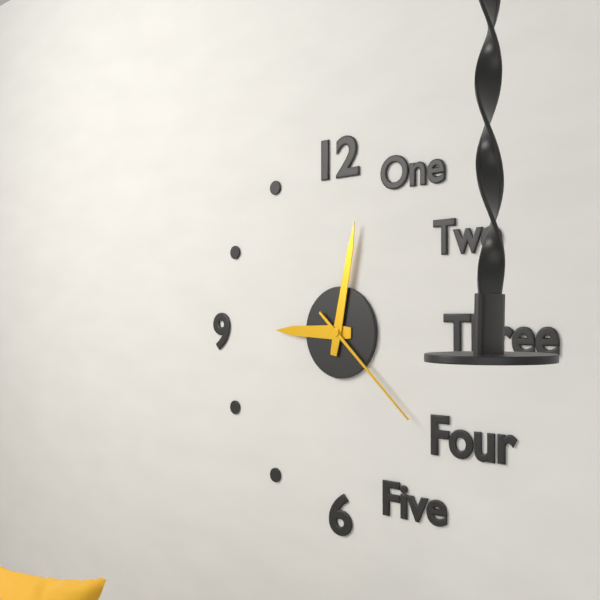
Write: 9:02:22
